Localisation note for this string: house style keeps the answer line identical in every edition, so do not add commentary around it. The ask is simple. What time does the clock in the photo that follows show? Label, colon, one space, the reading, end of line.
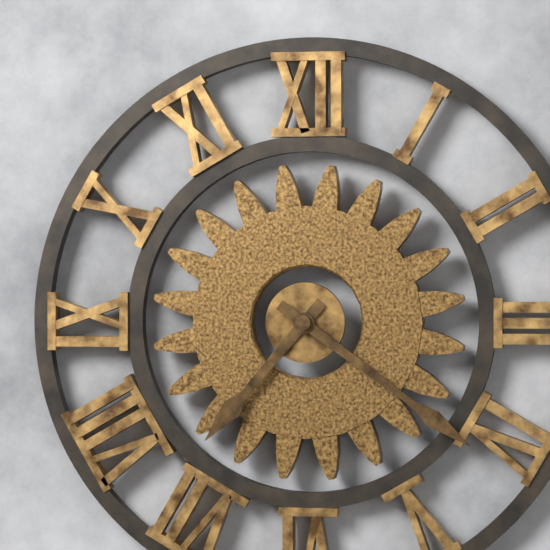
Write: 7:21
